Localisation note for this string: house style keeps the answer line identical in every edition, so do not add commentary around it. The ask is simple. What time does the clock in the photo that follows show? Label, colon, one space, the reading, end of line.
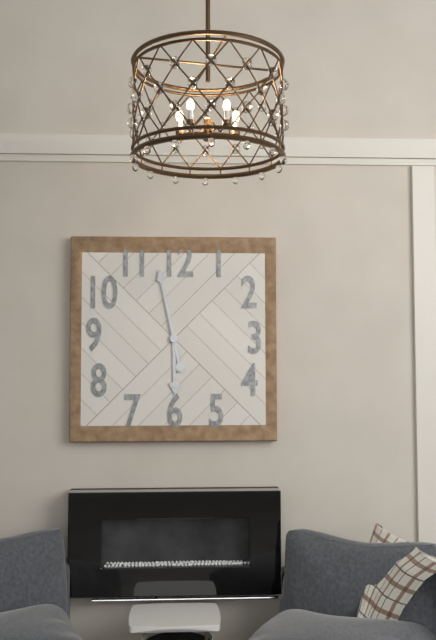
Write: 5:58
